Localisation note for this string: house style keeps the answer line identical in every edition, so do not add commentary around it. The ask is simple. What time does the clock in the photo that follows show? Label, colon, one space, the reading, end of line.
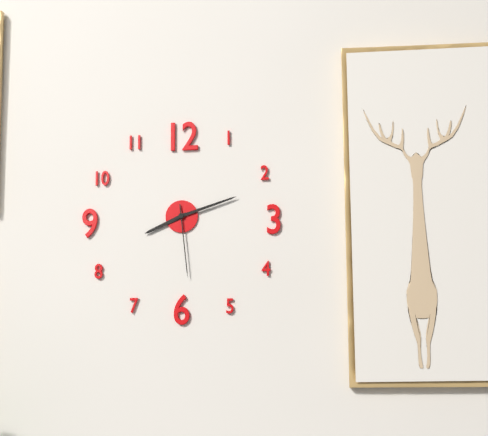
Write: 8:12:29
